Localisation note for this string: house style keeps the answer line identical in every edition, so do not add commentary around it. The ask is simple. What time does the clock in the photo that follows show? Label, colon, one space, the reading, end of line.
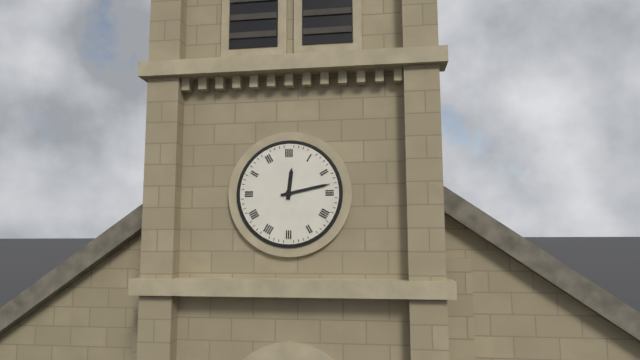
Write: 12:13
